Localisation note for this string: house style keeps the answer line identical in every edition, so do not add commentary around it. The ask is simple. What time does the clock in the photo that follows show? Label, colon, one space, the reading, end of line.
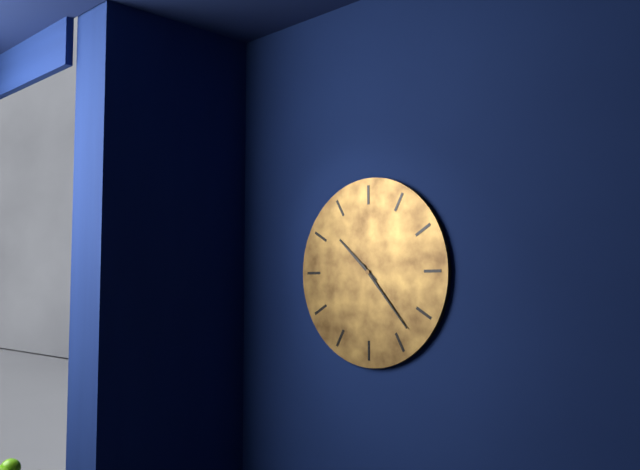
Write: 10:23
